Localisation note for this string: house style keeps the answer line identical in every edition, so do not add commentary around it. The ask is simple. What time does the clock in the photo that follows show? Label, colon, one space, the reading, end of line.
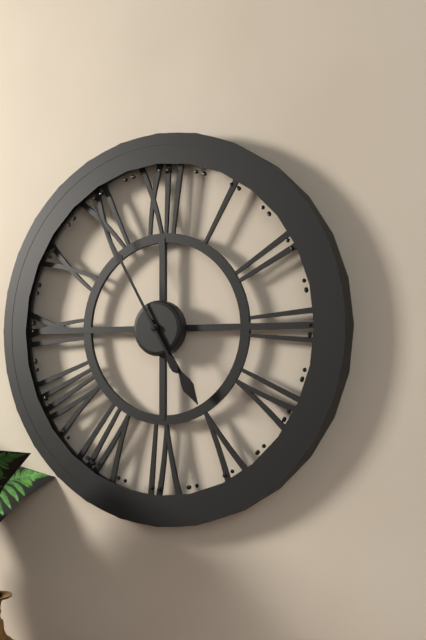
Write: 4:55
